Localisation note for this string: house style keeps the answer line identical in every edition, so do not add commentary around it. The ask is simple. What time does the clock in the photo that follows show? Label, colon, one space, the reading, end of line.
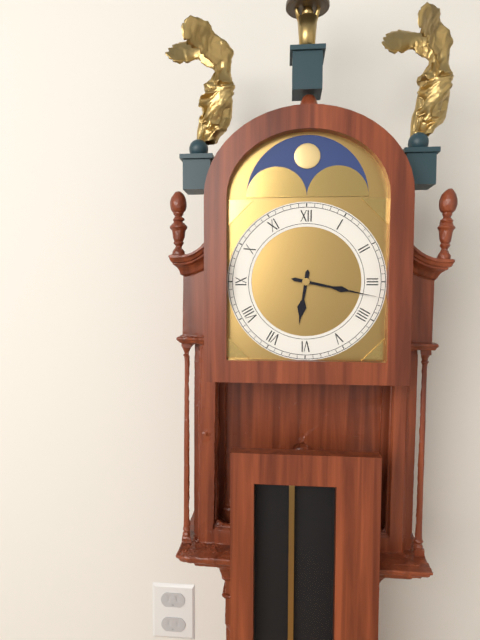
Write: 6:17
